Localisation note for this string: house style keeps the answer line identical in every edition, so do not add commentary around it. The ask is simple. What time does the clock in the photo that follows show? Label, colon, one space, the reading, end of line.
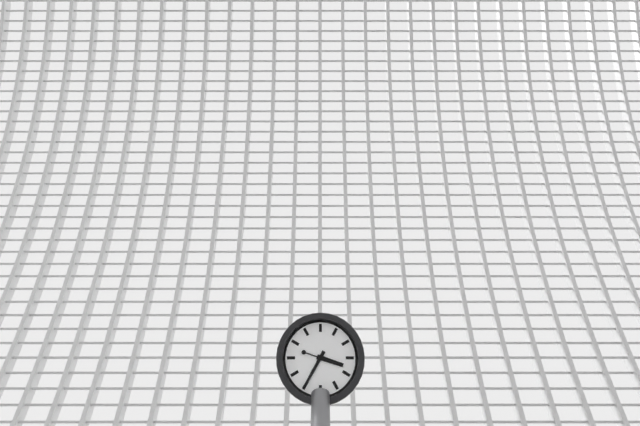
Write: 3:35
